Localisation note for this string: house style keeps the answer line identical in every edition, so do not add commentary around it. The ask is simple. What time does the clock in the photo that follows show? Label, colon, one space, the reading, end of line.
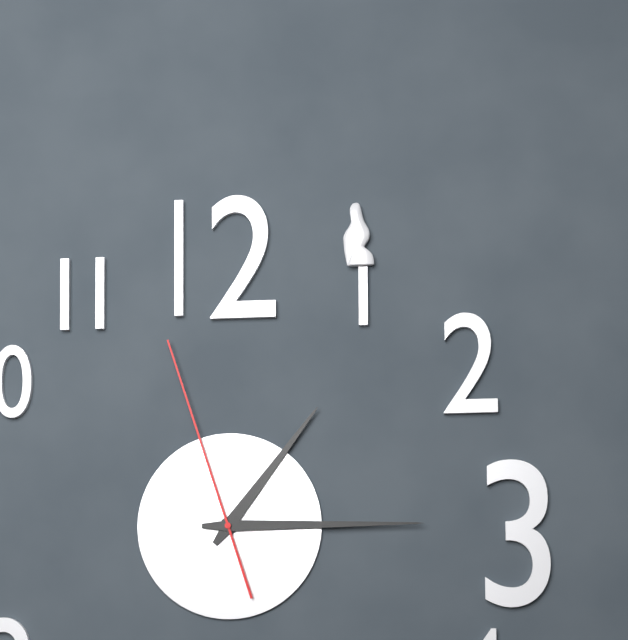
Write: 1:15:57
